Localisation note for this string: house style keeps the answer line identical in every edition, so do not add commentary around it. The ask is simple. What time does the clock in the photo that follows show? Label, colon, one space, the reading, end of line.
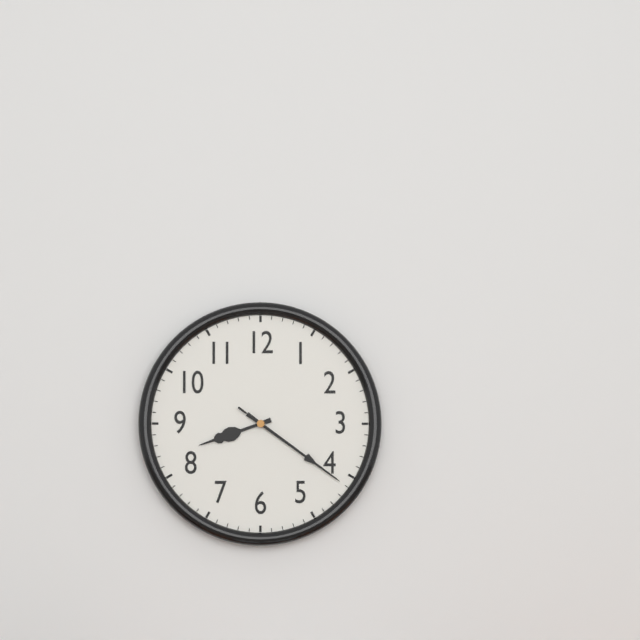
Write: 8:21:21
